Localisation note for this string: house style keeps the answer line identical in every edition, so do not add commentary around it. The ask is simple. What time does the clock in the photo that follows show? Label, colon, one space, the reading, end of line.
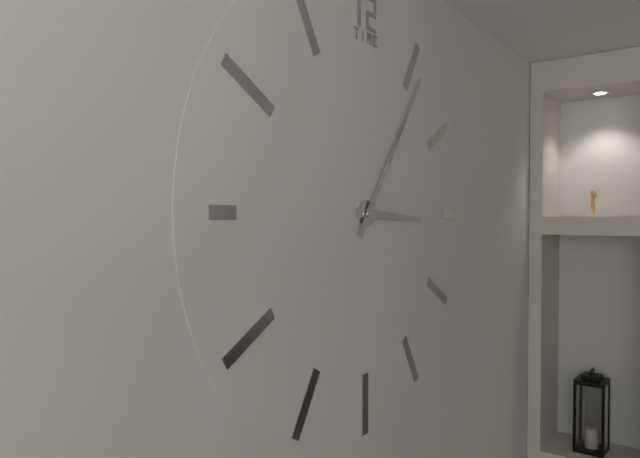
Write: 3:06
